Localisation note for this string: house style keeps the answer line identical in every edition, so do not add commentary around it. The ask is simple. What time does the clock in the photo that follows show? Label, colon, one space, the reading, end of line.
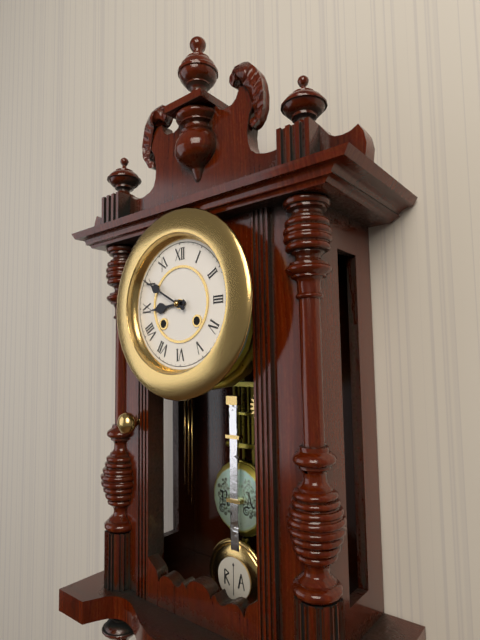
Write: 8:50
